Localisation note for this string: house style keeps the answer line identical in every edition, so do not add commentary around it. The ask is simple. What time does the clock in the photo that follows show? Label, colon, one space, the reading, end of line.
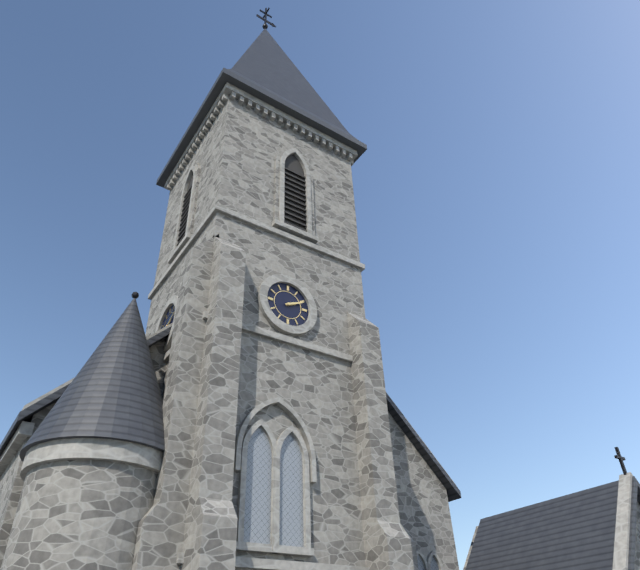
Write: 2:11
